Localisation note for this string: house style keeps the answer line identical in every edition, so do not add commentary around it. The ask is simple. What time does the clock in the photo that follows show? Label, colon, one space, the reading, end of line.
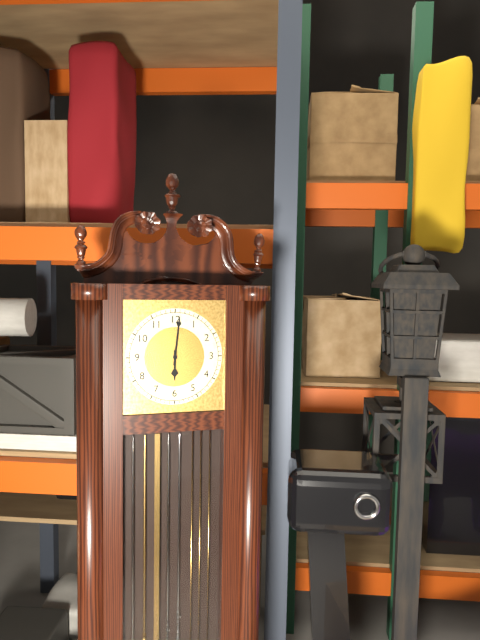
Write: 6:01
